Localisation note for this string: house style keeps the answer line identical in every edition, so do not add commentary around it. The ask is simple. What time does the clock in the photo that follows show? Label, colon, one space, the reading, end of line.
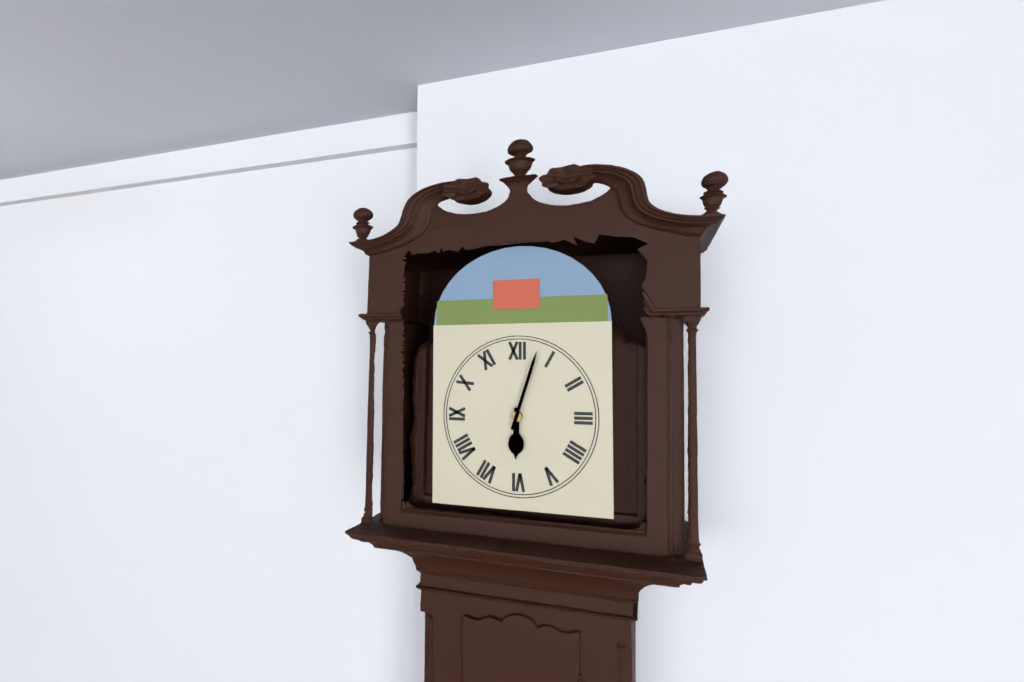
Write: 6:03
